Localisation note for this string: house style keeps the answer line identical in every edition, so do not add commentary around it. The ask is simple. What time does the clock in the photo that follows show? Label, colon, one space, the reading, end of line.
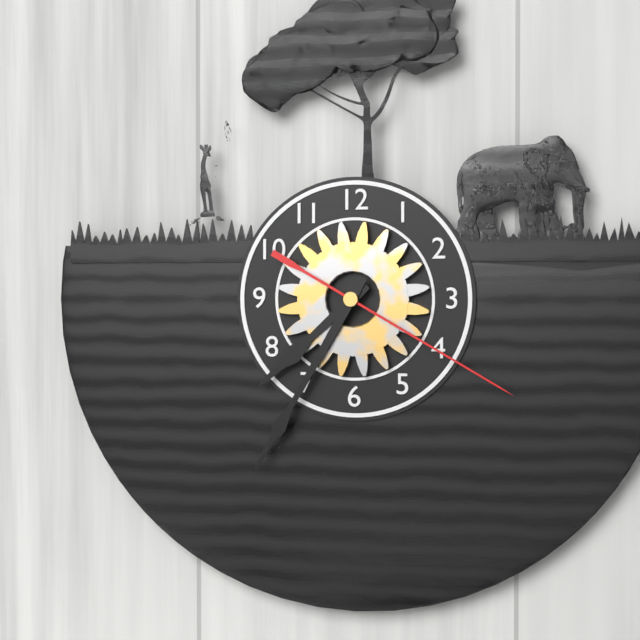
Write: 7:35:20
